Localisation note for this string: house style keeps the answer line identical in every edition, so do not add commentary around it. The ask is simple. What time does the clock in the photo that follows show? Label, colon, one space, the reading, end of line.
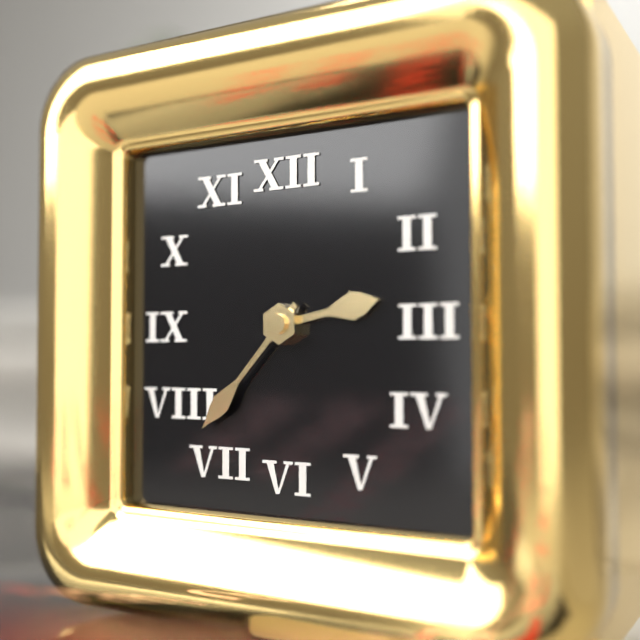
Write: 2:37
